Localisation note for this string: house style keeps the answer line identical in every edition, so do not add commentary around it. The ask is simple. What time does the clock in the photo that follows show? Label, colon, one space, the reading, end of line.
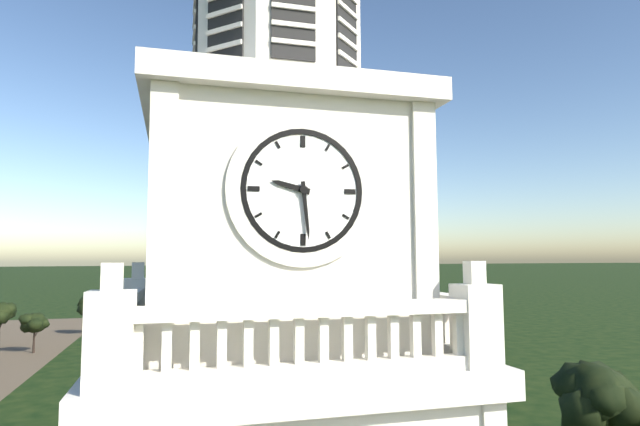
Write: 9:29
